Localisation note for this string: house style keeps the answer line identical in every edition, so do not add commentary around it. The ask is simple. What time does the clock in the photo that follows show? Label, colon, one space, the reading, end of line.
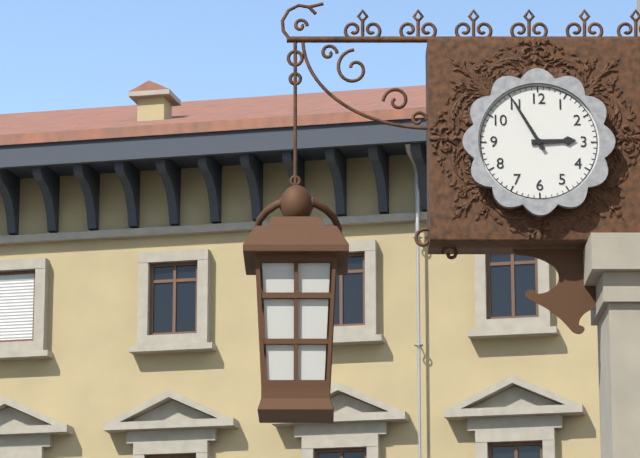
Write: 2:55
